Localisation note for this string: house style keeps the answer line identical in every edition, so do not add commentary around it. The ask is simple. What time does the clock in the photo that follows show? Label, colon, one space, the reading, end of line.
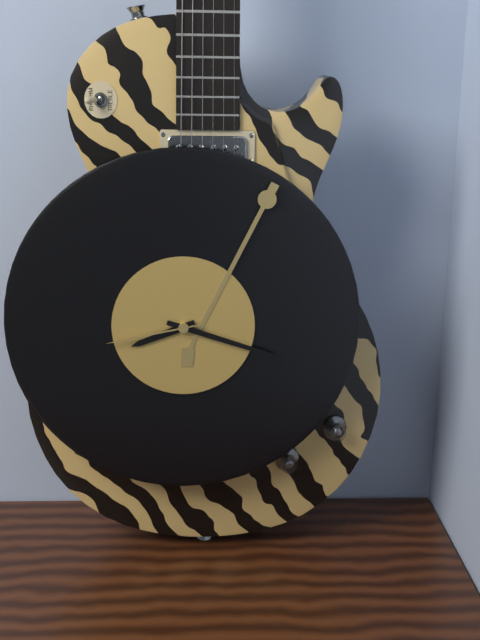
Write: 8:18:43
